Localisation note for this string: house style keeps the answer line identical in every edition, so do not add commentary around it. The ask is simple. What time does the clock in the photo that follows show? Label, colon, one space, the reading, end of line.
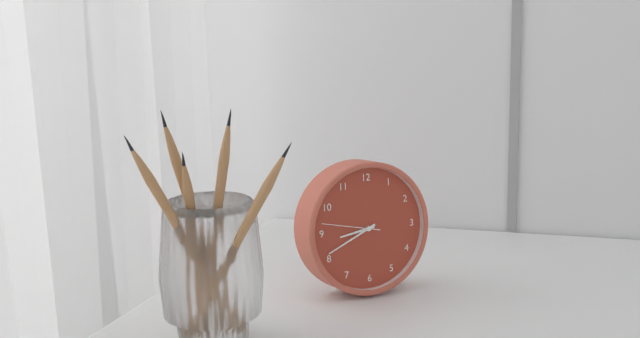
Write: 8:41:47
